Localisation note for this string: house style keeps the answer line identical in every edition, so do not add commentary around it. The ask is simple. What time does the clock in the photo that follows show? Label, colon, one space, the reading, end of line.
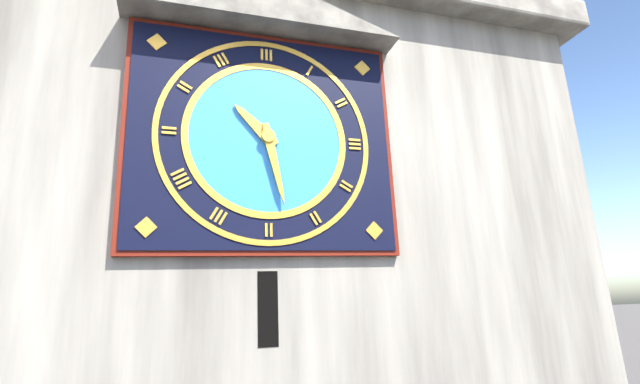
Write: 10:28
